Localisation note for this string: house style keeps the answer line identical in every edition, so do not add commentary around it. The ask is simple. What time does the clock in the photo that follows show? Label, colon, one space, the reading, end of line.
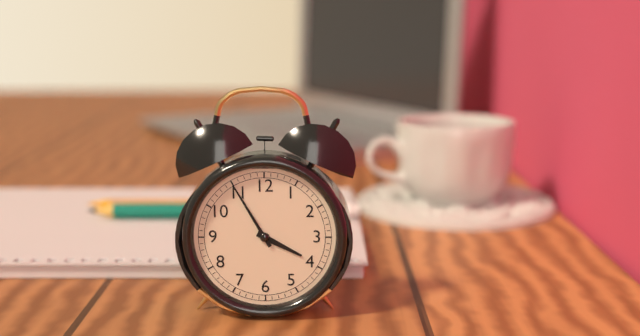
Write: 3:55
